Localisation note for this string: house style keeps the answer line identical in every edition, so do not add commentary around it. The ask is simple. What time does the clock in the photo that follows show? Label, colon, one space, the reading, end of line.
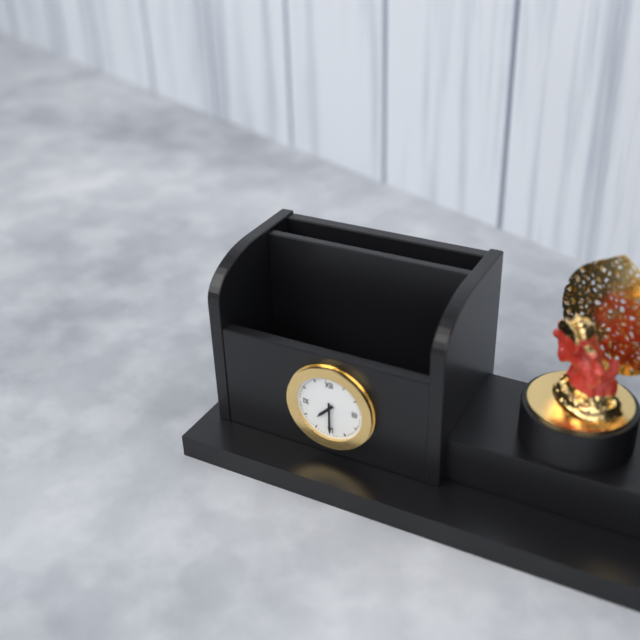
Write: 7:30
